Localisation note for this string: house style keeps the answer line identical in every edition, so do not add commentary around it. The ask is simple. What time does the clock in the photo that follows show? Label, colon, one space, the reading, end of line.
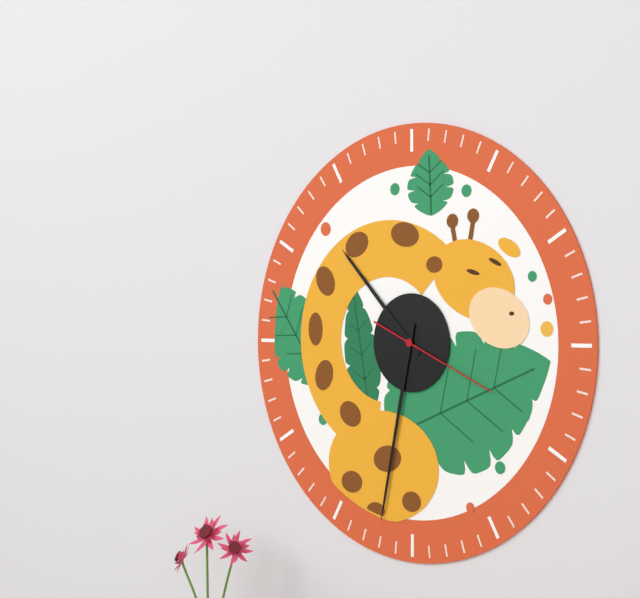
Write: 10:32:19
